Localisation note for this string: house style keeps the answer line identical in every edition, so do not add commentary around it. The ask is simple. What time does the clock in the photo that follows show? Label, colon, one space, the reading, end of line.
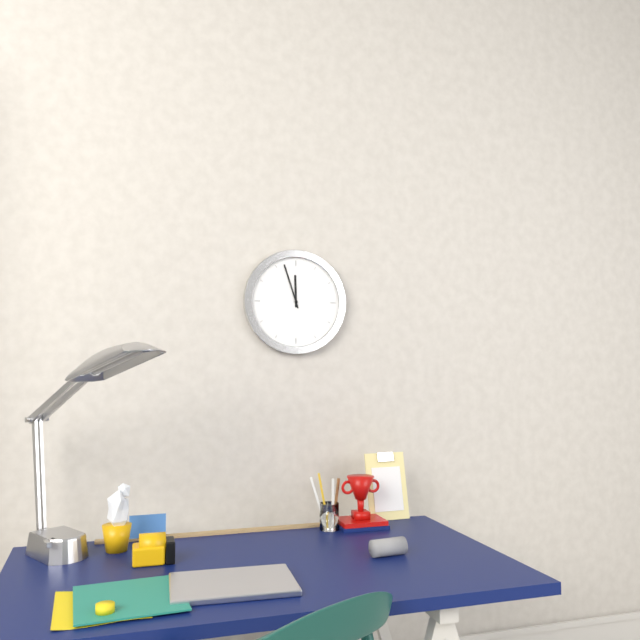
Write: 11:57
